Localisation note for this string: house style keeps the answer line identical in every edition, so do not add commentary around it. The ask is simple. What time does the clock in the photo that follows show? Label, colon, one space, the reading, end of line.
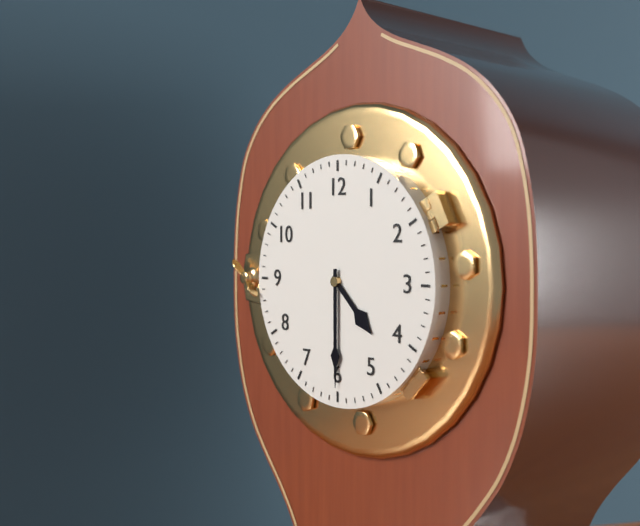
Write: 4:30
